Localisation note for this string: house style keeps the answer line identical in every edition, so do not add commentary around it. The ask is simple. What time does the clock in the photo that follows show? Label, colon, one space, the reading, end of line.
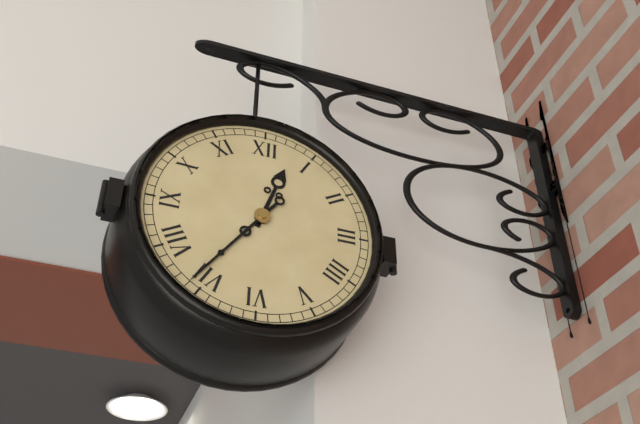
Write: 12:36
